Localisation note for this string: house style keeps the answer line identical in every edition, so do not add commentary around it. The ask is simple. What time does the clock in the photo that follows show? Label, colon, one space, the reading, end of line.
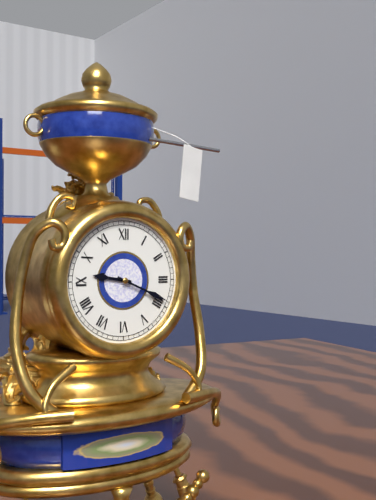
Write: 9:19
